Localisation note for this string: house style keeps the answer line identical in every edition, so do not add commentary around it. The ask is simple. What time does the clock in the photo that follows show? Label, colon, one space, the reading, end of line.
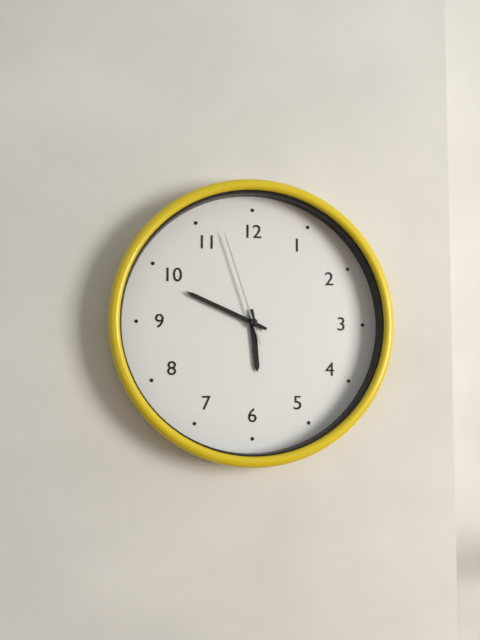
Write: 5:49:57
